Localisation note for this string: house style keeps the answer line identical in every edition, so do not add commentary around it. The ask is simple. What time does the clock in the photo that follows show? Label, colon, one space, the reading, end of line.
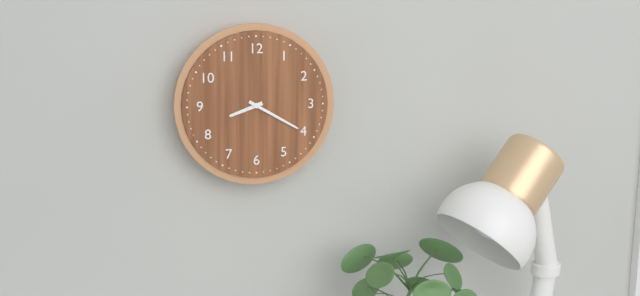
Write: 8:20
